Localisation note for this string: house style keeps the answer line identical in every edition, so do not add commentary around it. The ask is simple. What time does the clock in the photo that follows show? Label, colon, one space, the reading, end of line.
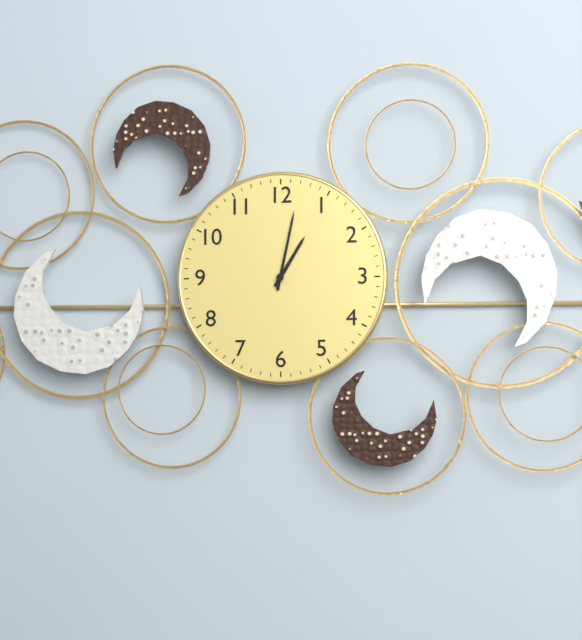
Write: 1:02
